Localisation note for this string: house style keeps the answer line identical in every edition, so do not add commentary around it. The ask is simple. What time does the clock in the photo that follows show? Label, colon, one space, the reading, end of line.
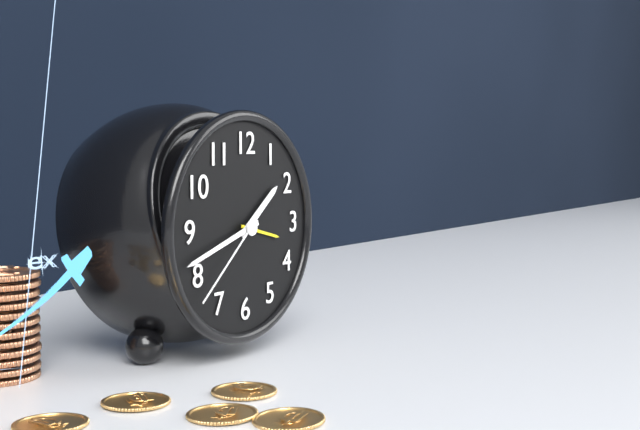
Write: 1:42:38
